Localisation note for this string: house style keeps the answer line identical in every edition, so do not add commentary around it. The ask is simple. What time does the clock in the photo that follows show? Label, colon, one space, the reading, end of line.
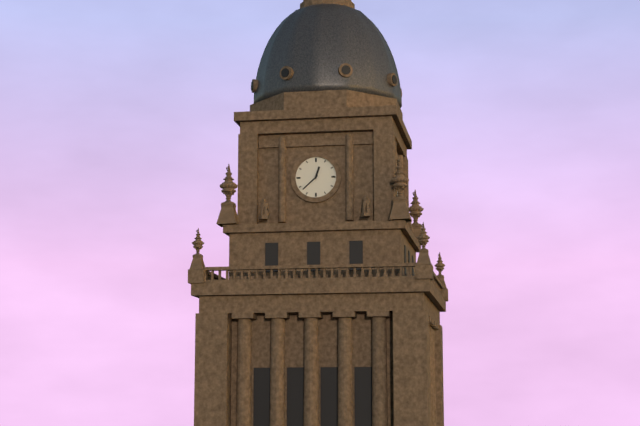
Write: 12:38
